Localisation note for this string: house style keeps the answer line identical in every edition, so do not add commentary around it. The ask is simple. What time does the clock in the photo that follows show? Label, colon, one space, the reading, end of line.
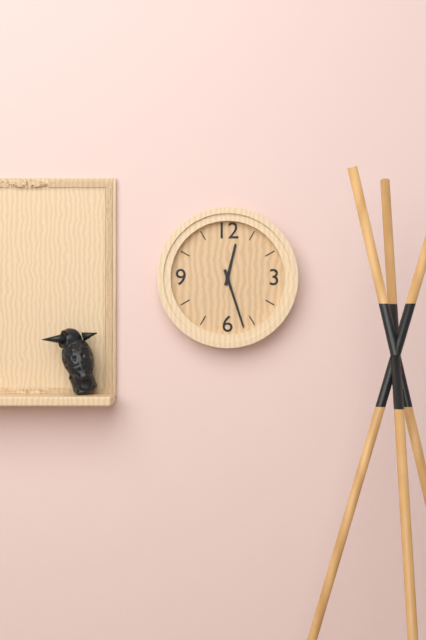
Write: 12:27
